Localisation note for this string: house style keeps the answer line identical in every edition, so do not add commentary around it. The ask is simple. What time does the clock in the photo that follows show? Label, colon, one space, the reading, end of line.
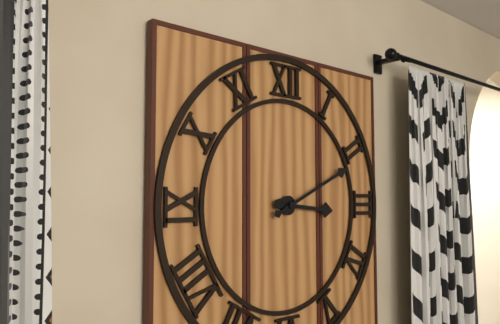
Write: 3:11
